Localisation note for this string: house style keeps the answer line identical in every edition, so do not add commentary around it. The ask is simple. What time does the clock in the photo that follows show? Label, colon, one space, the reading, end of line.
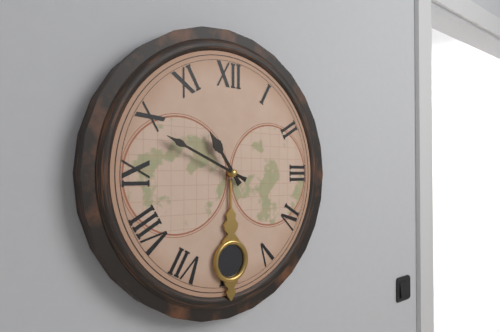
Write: 10:49
